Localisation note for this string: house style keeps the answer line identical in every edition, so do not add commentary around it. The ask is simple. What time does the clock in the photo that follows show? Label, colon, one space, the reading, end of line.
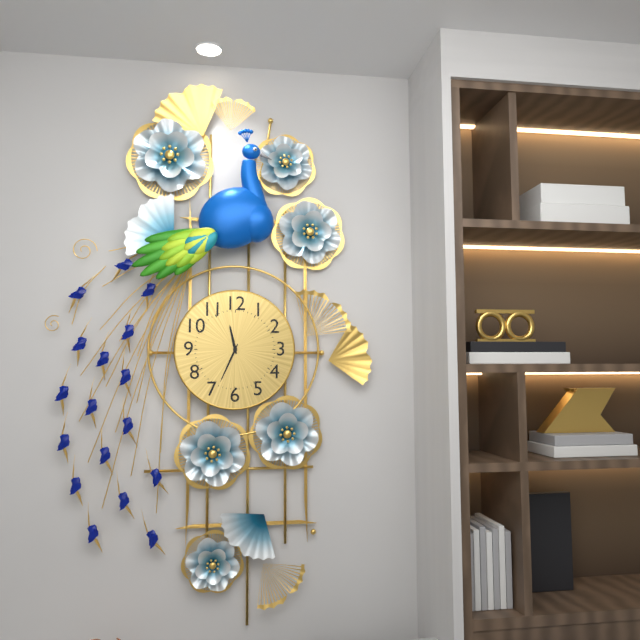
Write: 11:34
